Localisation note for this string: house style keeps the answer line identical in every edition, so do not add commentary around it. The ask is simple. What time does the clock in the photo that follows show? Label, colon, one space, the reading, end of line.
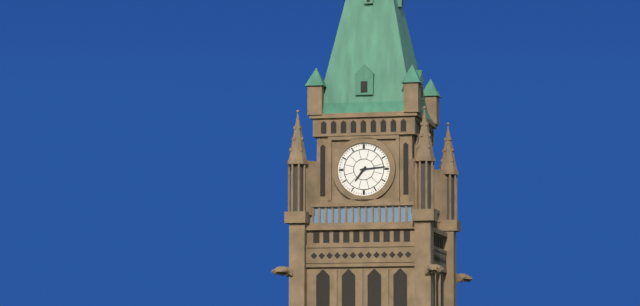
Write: 7:14
